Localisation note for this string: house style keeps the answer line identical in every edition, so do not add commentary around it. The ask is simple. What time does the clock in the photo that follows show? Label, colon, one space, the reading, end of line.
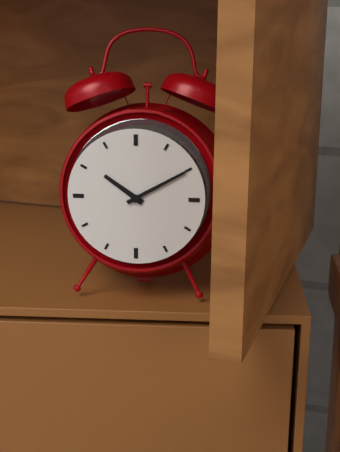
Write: 10:10
